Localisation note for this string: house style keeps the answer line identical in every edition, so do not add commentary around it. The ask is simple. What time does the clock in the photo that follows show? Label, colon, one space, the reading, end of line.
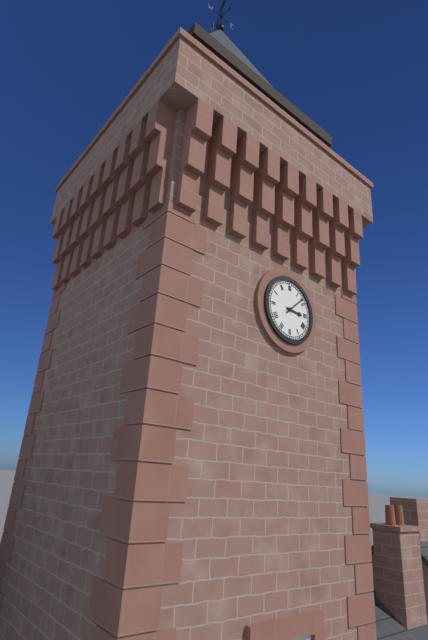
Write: 3:08
